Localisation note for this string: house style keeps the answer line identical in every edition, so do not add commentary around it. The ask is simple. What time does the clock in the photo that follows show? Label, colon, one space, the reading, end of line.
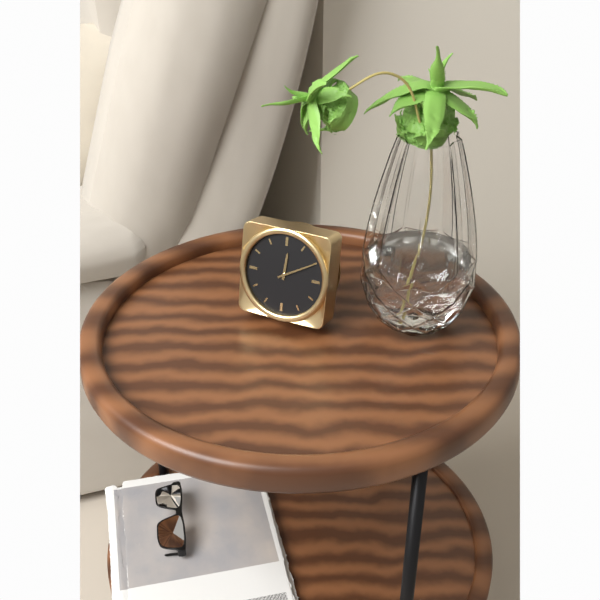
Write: 12:10
